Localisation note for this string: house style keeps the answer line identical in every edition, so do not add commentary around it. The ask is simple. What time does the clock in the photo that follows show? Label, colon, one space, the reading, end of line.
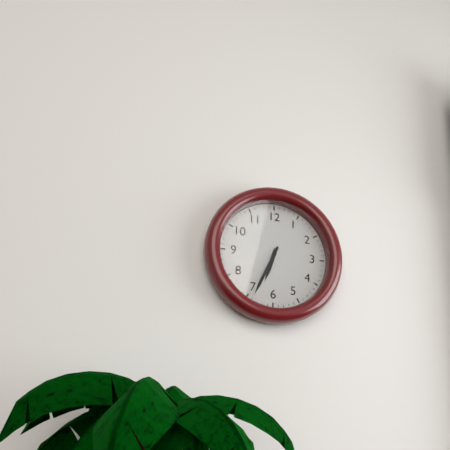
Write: 6:34
